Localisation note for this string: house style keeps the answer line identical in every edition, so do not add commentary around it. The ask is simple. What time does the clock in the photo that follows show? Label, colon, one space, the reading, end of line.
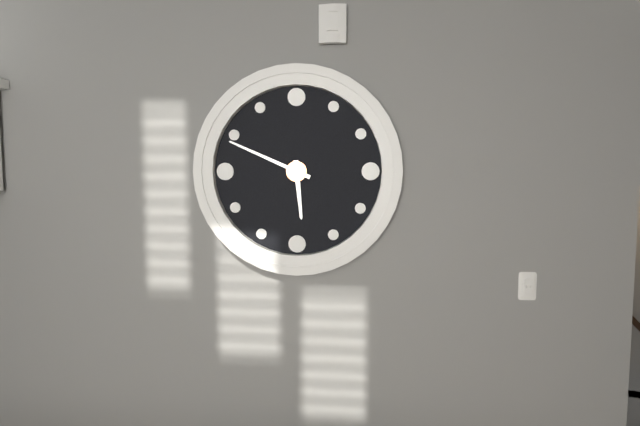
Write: 5:49
